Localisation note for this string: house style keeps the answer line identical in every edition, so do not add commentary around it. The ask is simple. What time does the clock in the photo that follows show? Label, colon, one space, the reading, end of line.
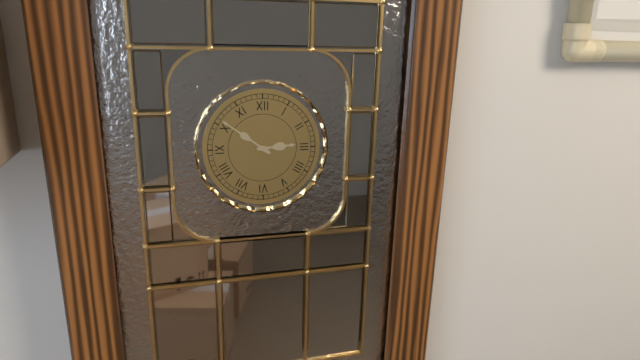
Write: 2:51
